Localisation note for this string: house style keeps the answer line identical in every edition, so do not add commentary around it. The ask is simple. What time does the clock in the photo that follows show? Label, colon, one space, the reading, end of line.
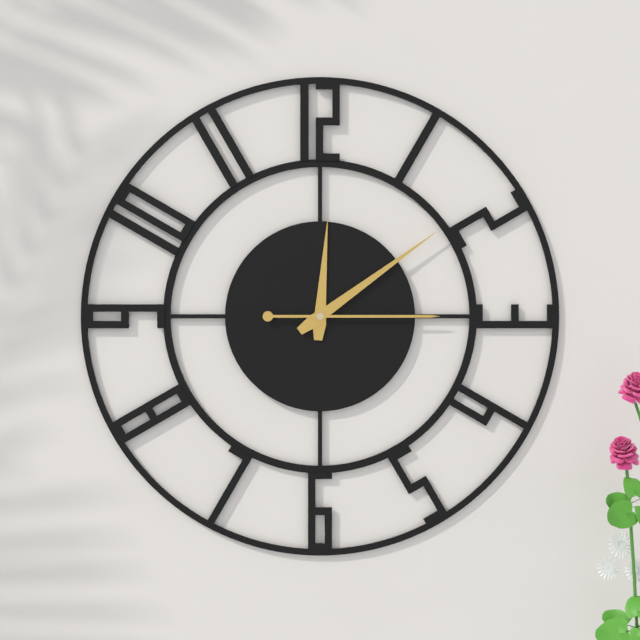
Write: 12:09:15
